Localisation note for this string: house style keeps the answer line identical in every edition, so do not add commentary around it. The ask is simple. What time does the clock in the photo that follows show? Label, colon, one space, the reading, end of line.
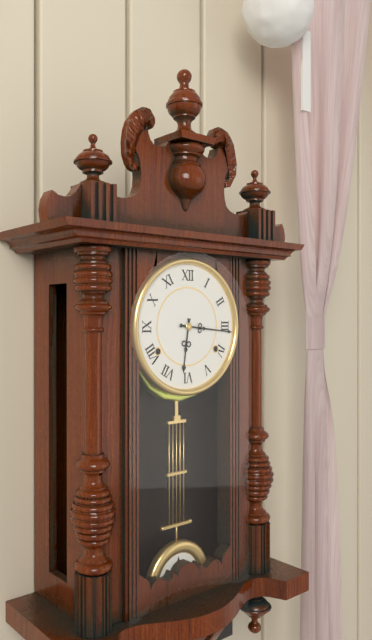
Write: 6:16
